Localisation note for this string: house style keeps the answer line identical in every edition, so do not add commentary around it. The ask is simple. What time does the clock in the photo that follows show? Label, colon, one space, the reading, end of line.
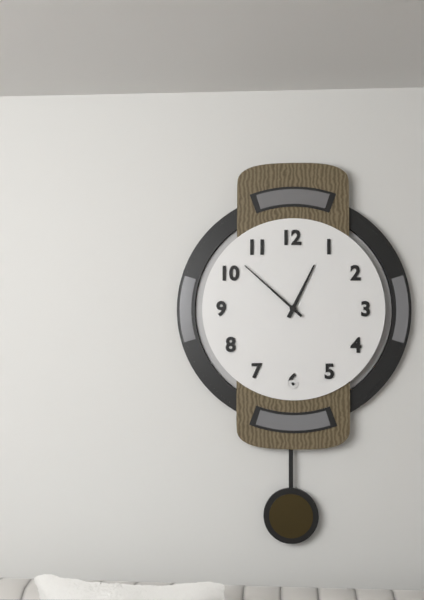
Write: 12:52
